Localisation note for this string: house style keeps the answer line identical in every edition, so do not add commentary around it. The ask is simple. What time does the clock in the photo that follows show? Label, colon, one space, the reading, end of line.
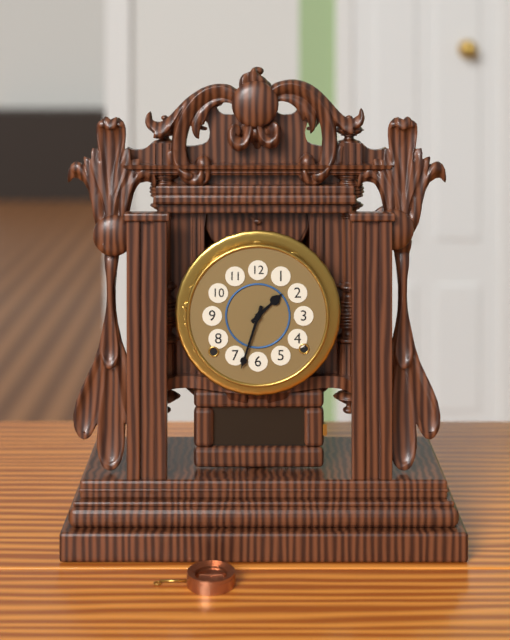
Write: 1:33
